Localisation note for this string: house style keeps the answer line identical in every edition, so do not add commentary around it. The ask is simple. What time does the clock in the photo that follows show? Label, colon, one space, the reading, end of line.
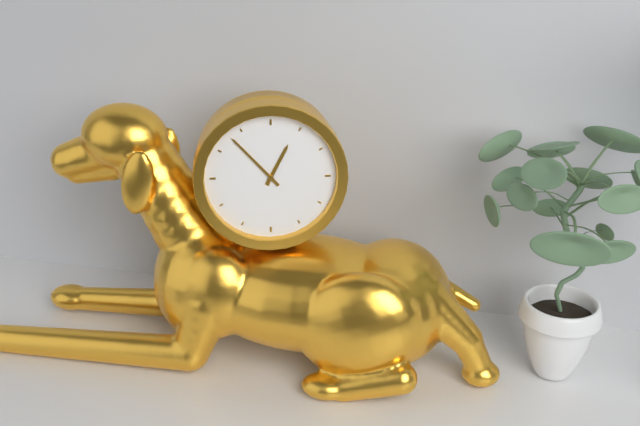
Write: 12:53
